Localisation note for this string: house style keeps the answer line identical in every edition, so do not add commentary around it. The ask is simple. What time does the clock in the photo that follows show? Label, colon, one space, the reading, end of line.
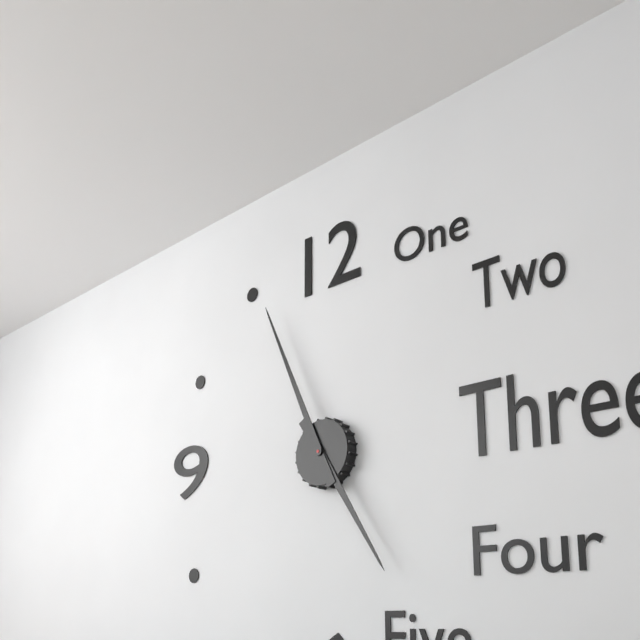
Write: 4:56
